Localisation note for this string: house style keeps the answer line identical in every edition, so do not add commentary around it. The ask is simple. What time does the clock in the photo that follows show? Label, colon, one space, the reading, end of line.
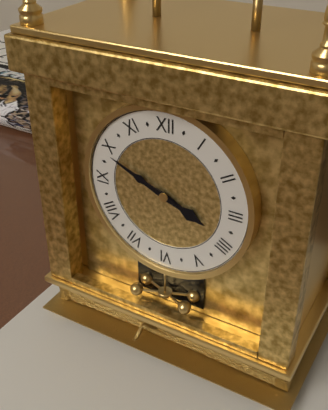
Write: 3:49
